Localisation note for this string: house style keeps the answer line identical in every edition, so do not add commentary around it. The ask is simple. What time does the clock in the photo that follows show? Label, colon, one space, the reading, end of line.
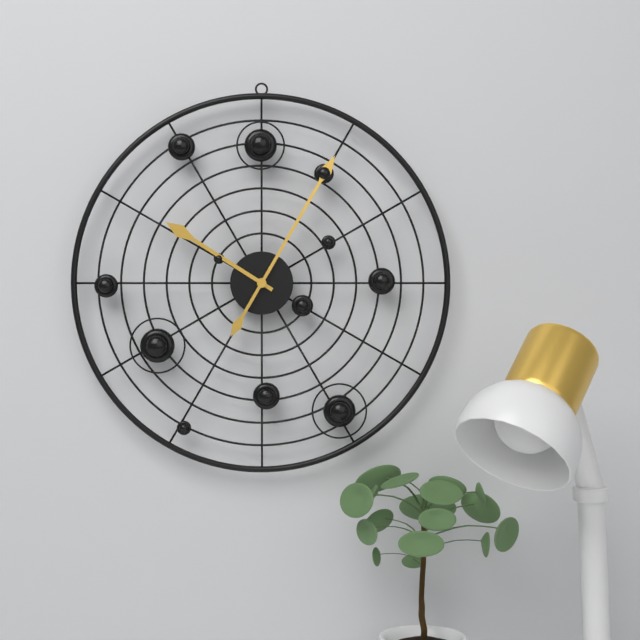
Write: 10:05
